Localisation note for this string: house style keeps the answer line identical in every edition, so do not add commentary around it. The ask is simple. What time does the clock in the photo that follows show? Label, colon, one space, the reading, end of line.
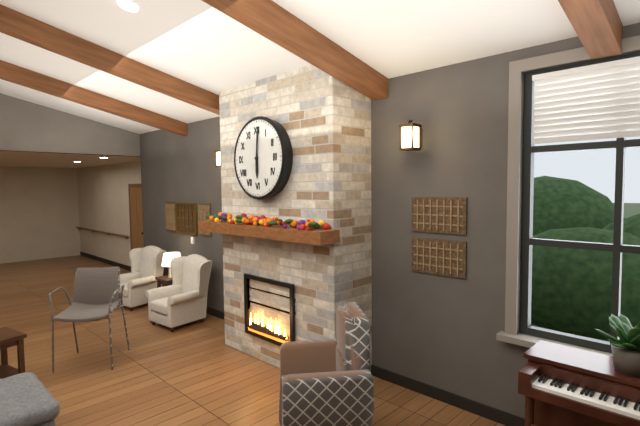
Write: 6:01
